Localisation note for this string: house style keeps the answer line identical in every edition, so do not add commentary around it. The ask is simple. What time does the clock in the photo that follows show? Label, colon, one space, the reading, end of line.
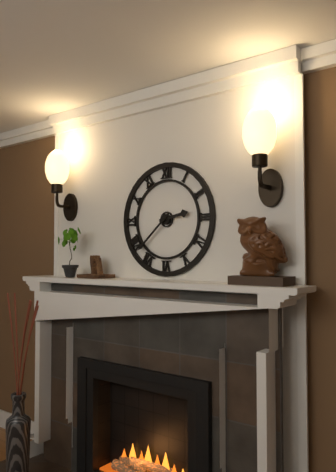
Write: 2:38
